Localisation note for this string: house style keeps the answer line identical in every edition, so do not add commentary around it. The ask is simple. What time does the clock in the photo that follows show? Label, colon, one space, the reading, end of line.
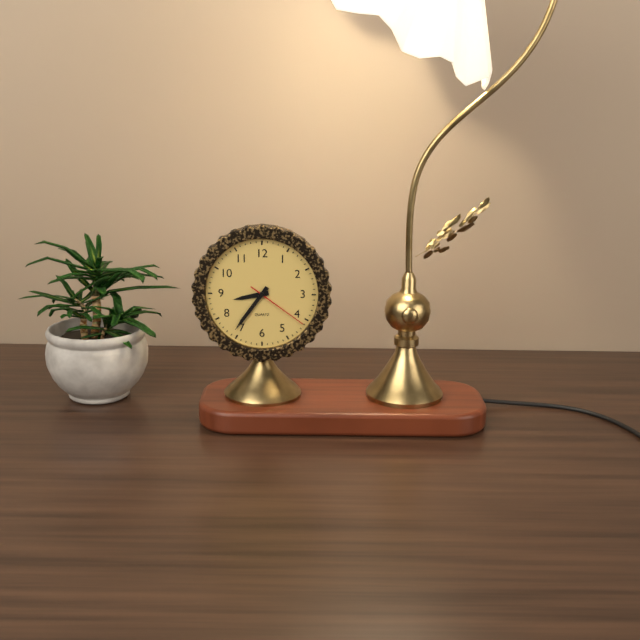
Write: 8:36:21
